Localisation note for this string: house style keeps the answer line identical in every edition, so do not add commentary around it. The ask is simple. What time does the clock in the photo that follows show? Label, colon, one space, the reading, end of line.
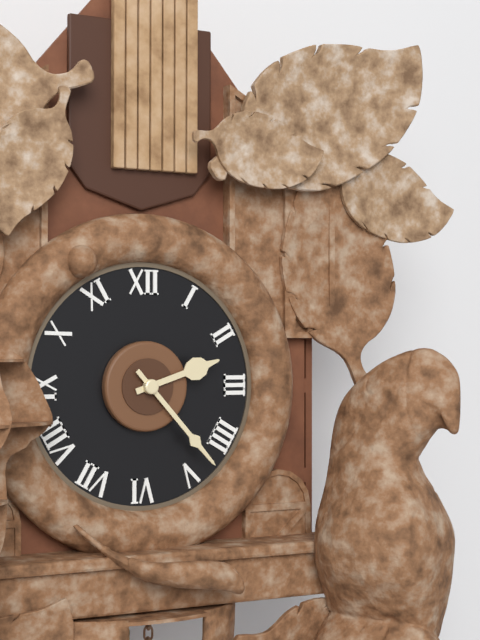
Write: 2:23
